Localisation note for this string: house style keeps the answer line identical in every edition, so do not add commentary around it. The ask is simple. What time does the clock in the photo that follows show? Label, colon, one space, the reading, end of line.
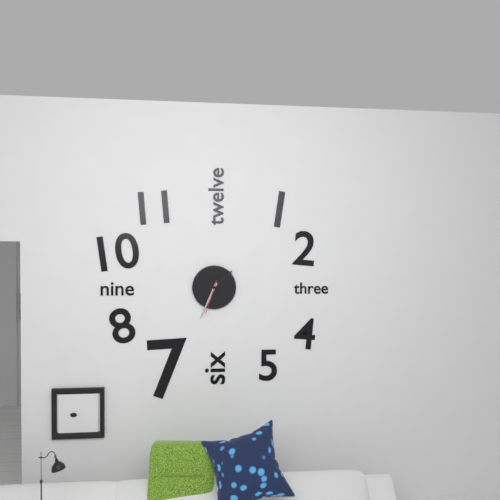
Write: 1:34
